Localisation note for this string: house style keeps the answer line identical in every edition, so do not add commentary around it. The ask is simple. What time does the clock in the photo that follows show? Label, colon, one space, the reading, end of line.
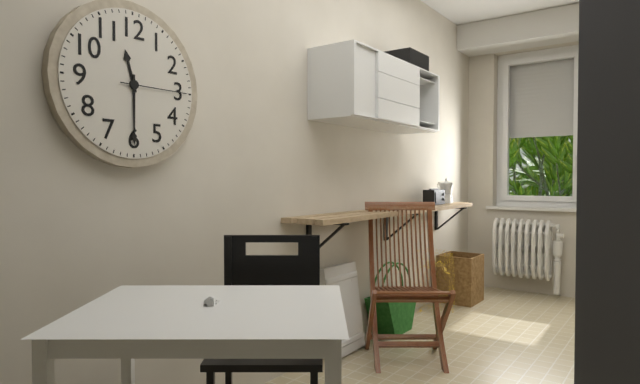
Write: 11:30:15
